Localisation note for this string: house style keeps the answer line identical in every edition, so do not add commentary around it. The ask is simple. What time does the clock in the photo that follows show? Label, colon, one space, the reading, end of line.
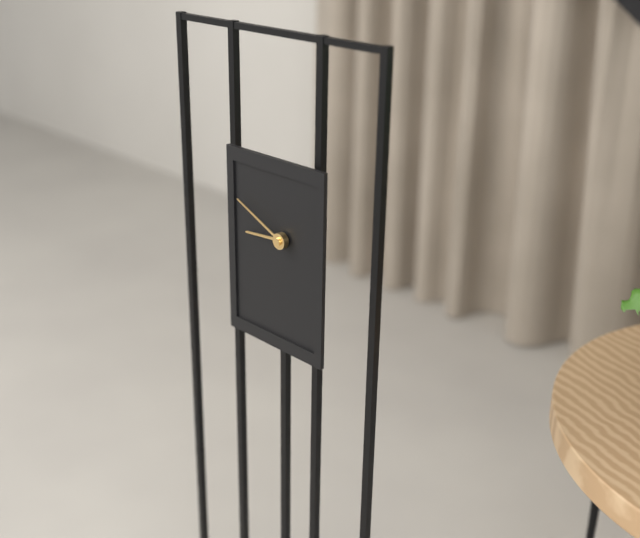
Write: 8:49
